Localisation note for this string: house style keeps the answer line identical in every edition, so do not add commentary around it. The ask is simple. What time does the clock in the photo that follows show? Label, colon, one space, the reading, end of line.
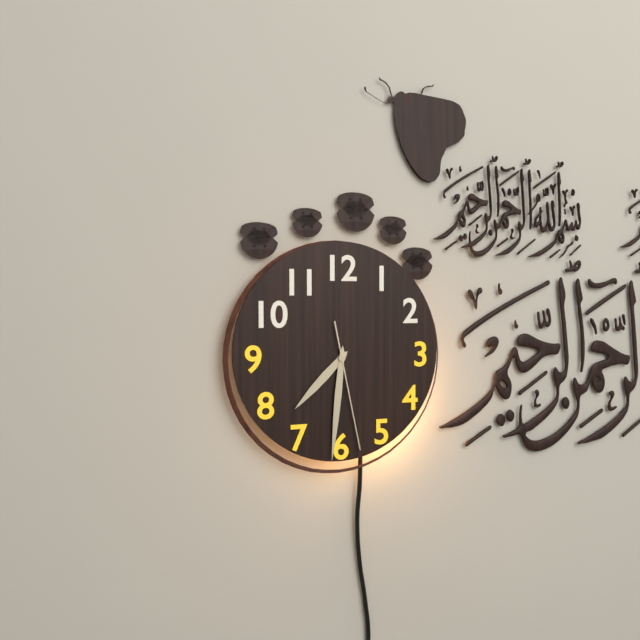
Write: 7:31:28
